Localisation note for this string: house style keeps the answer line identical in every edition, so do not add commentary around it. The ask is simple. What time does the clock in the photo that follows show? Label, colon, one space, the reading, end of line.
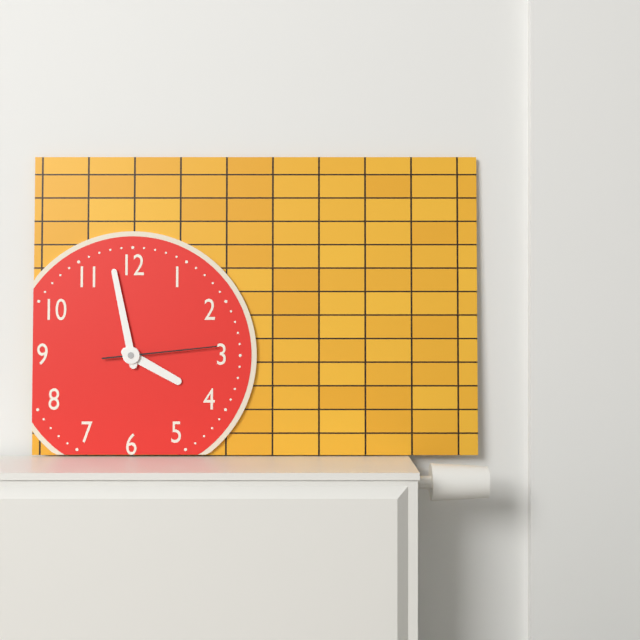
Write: 3:58:14
